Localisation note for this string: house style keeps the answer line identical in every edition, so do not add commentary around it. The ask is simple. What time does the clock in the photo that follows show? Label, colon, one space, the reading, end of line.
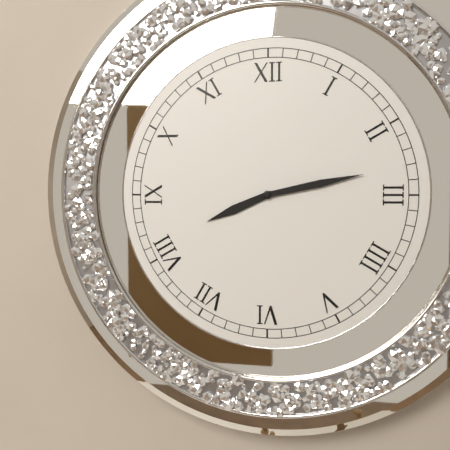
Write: 8:13
